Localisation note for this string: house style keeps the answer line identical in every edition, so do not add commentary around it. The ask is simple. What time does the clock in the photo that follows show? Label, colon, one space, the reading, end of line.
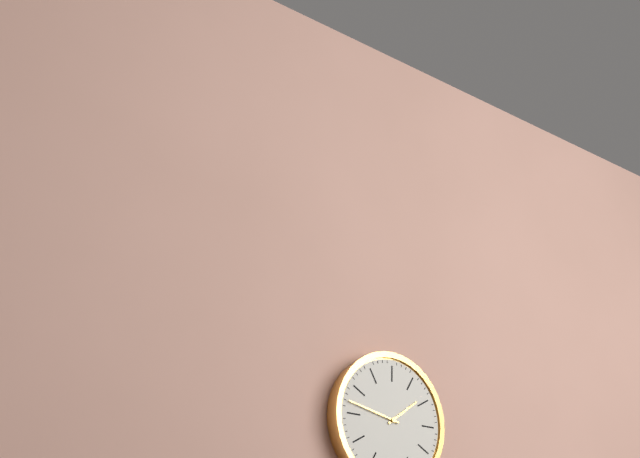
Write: 1:47
